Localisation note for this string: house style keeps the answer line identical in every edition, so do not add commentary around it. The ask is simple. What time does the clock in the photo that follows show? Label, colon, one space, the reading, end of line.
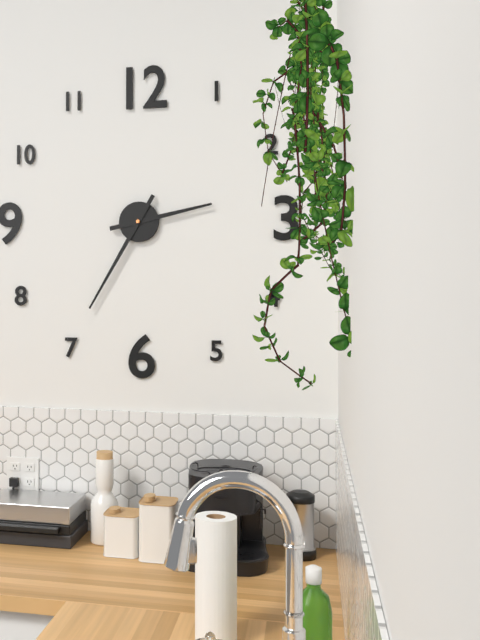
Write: 2:35
